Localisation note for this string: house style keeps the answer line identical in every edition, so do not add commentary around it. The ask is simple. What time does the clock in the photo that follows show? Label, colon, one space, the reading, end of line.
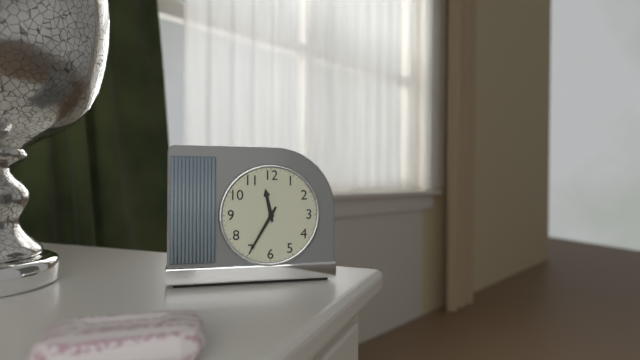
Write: 11:35
